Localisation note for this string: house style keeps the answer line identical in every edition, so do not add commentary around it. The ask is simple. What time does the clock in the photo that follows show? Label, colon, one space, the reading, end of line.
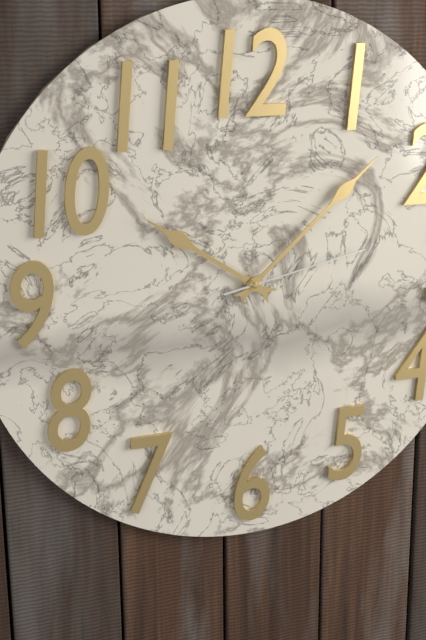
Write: 10:08:13
